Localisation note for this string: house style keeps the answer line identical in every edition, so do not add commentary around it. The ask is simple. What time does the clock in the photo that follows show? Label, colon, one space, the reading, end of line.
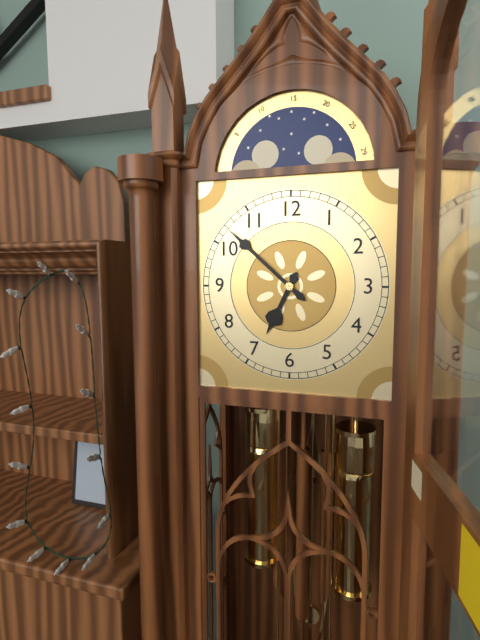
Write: 6:52
